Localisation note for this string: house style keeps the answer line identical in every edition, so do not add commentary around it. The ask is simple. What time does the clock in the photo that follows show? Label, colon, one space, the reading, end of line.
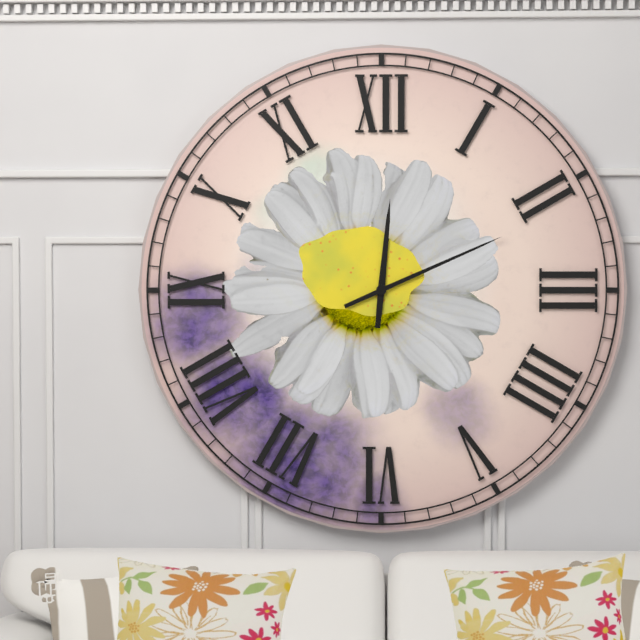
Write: 12:11
